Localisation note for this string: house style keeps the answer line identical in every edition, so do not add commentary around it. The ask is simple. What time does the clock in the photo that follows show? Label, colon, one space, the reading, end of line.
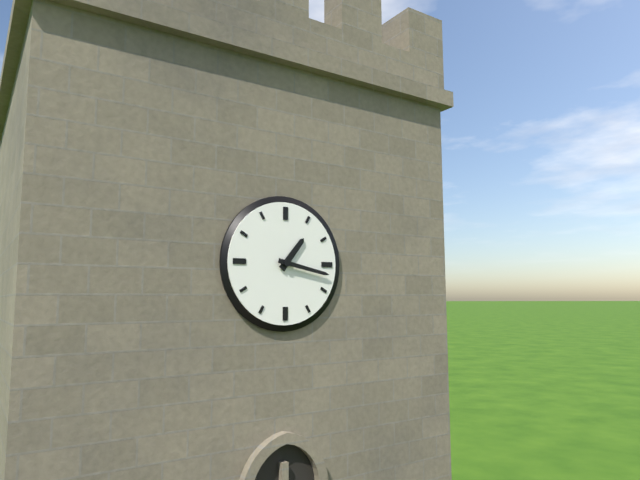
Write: 1:17
